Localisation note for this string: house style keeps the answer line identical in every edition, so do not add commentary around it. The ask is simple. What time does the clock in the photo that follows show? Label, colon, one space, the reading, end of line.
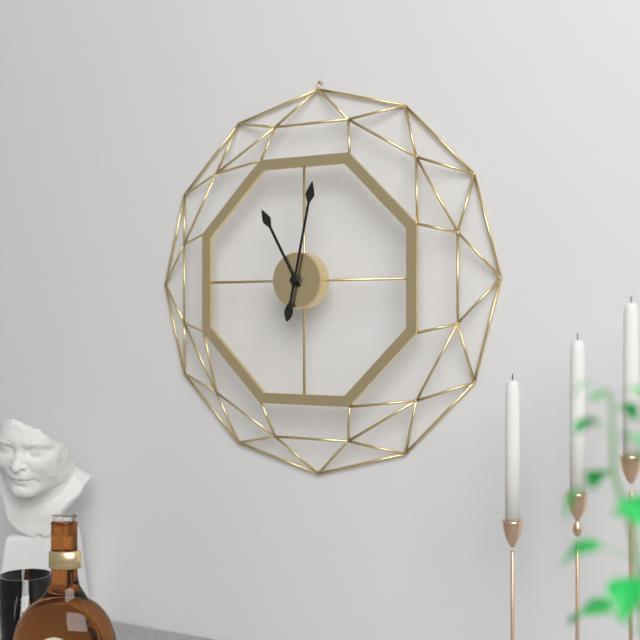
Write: 11:02
